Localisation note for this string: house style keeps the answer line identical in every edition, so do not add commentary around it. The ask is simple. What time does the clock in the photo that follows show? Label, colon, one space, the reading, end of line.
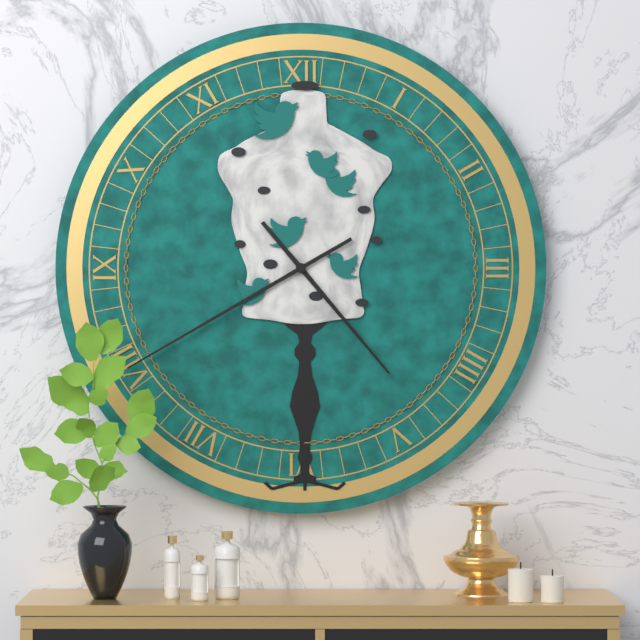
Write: 4:40
